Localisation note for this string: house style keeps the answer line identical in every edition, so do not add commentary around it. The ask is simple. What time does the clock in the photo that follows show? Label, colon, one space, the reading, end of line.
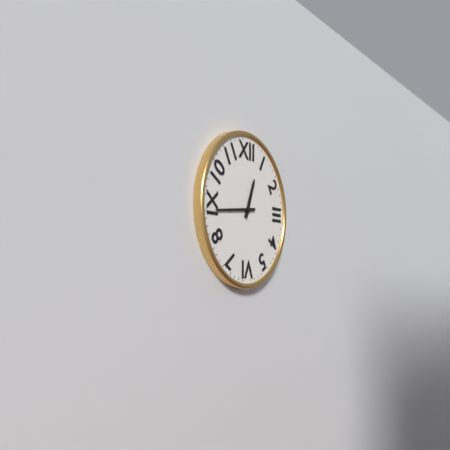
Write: 12:44
